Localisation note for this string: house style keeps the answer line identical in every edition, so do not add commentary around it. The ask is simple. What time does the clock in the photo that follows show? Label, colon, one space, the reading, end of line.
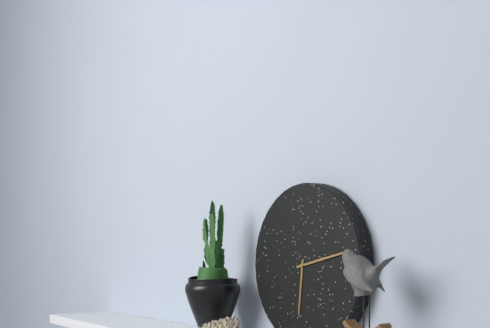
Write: 6:13
